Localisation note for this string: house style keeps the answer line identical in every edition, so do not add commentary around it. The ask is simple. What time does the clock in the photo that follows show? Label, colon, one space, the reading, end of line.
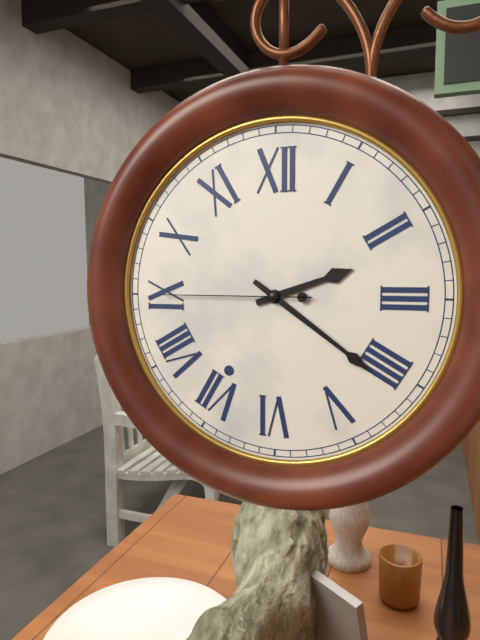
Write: 2:21:45
